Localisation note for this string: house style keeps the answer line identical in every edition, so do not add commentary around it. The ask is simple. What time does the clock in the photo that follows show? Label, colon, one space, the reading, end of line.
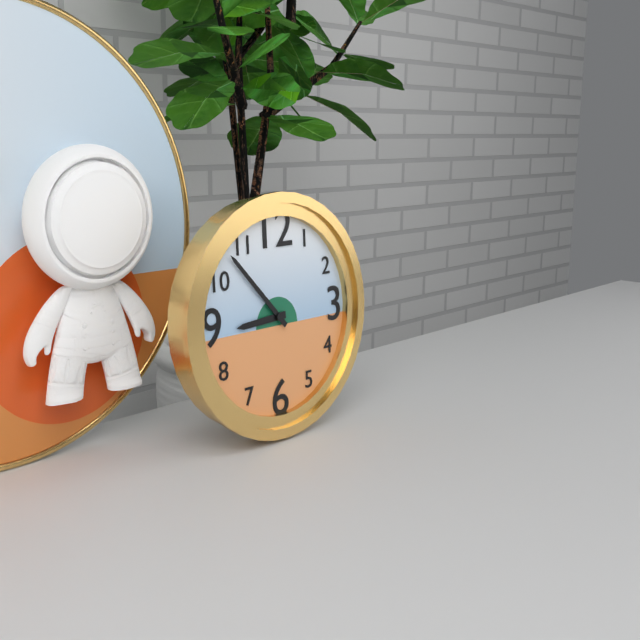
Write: 8:53
